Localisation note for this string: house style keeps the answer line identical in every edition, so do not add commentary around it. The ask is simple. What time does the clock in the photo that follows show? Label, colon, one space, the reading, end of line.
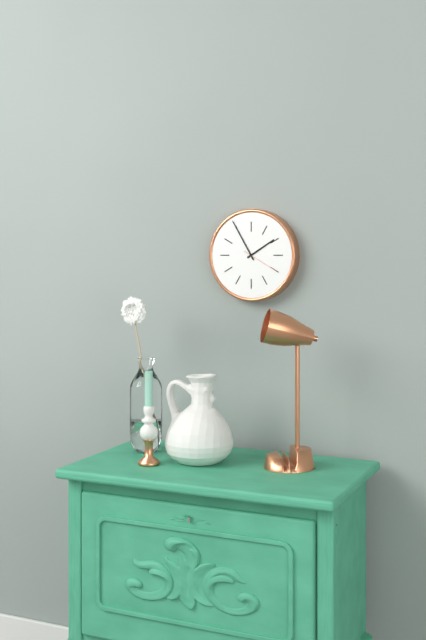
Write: 1:55
